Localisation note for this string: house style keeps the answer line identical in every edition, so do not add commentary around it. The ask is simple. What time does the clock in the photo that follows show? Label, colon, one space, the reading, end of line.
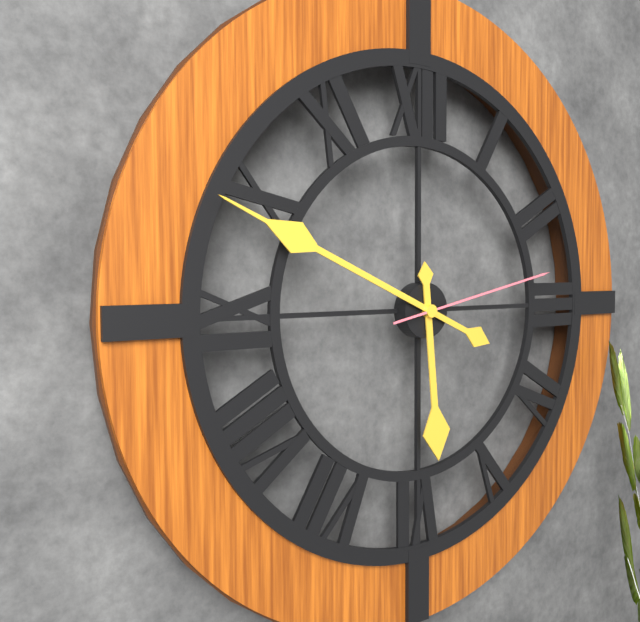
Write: 5:49:13
